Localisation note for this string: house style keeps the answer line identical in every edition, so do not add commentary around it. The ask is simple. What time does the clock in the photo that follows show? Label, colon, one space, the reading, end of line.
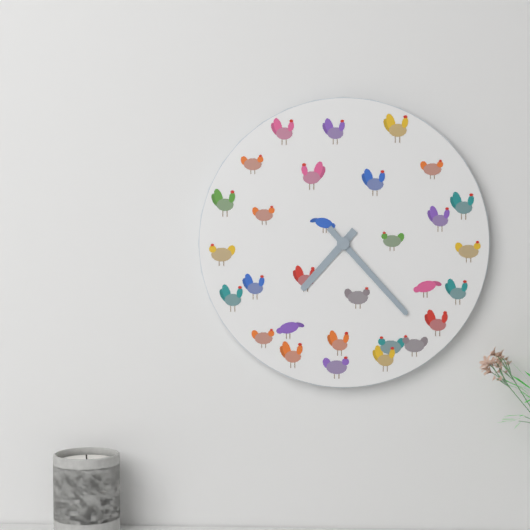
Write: 7:23
